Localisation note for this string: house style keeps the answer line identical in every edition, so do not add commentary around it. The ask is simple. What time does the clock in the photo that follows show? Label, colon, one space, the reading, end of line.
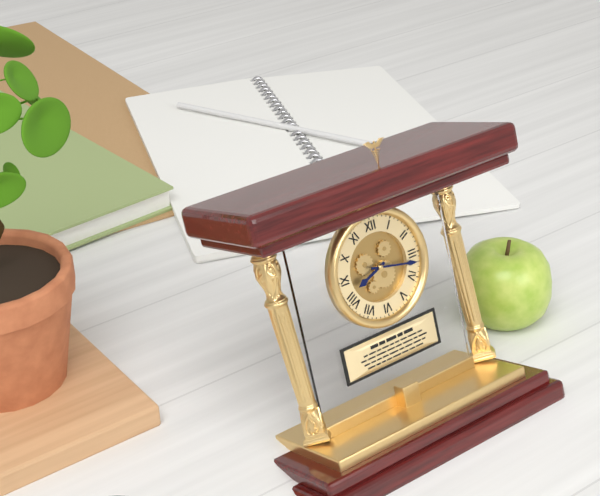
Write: 8:17
